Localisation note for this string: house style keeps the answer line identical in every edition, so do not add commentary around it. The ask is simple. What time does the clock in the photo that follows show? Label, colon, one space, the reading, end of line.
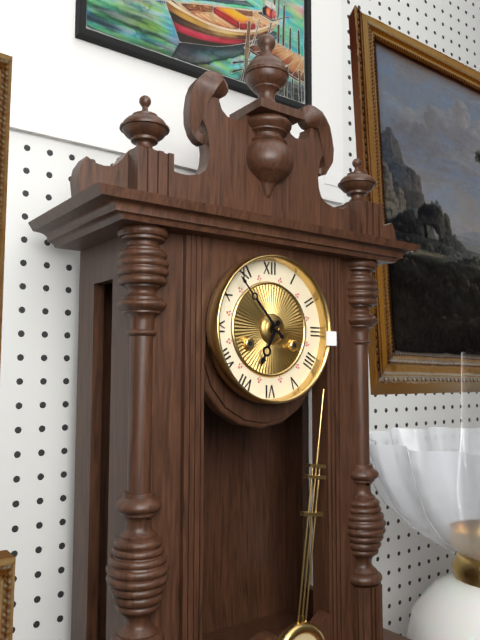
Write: 6:53
